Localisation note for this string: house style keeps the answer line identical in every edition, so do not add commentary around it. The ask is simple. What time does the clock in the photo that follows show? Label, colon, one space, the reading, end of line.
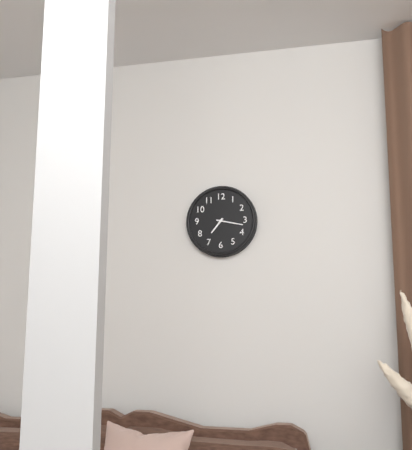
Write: 7:17
